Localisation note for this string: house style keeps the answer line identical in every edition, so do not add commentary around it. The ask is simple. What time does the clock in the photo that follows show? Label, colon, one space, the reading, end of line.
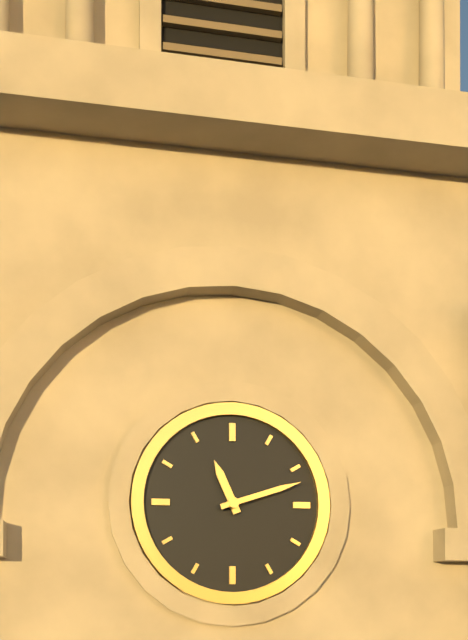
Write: 11:12
